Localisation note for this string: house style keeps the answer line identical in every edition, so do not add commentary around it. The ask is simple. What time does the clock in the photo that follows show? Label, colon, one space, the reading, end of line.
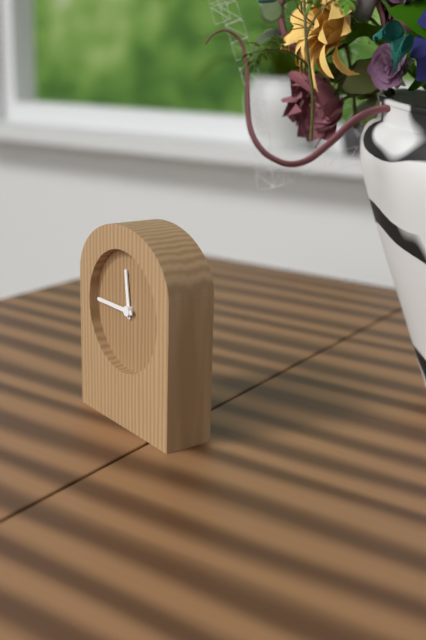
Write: 11:45
